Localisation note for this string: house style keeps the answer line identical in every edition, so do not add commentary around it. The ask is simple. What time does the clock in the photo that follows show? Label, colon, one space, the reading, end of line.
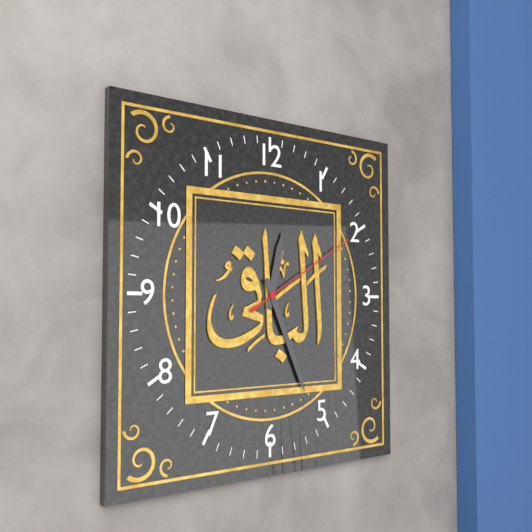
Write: 12:26:10
